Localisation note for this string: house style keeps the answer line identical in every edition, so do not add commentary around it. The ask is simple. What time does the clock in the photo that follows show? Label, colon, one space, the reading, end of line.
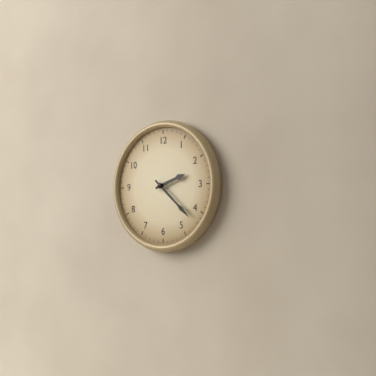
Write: 2:22
